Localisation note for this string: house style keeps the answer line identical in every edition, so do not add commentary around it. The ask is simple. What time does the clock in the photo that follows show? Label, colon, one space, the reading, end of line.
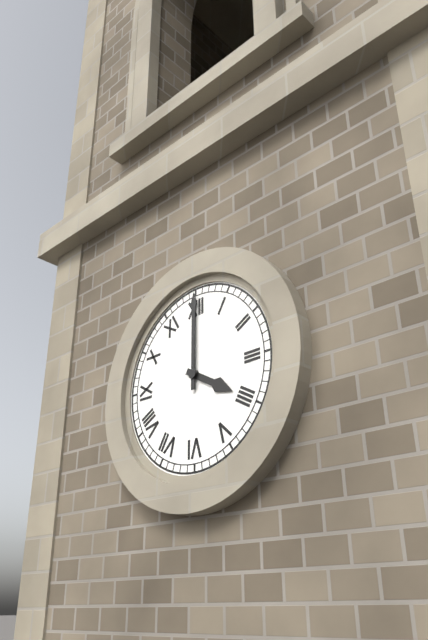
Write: 4:00
